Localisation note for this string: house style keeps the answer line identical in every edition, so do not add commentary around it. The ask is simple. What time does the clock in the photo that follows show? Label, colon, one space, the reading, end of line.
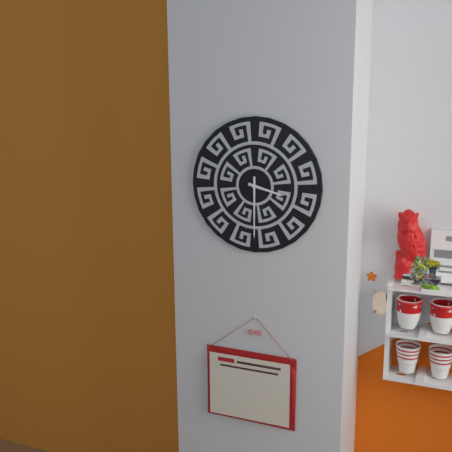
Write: 3:30
